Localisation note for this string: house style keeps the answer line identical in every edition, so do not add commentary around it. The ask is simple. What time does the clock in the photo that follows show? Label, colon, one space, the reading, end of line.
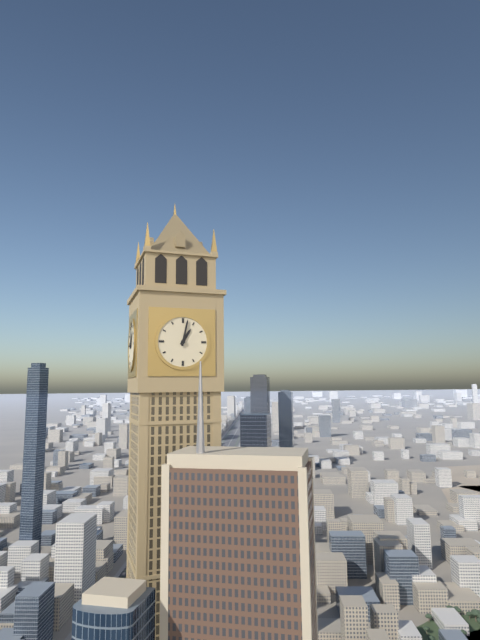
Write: 1:02
